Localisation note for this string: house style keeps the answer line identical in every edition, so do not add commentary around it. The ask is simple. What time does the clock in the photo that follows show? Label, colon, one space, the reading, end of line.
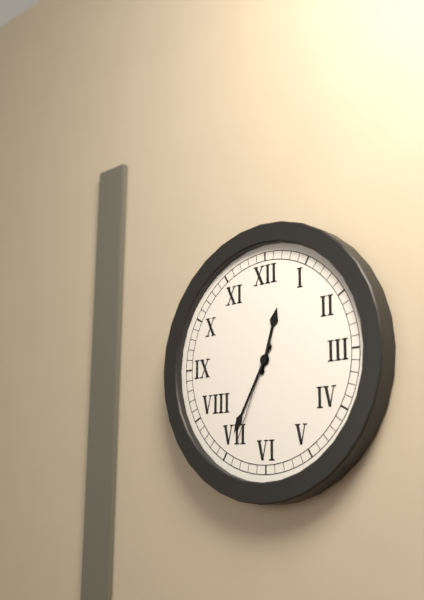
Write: 12:35:34
